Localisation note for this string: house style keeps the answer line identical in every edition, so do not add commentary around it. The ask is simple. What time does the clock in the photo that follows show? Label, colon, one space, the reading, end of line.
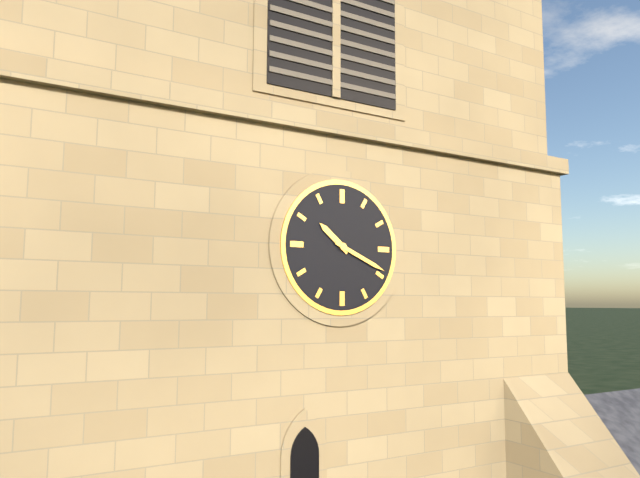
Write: 10:19
